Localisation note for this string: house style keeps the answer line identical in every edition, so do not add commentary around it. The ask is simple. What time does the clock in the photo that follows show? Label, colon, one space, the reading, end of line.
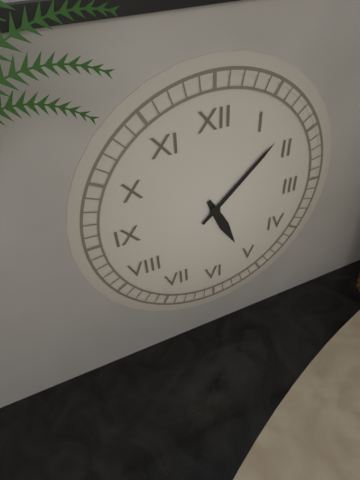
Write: 5:08
